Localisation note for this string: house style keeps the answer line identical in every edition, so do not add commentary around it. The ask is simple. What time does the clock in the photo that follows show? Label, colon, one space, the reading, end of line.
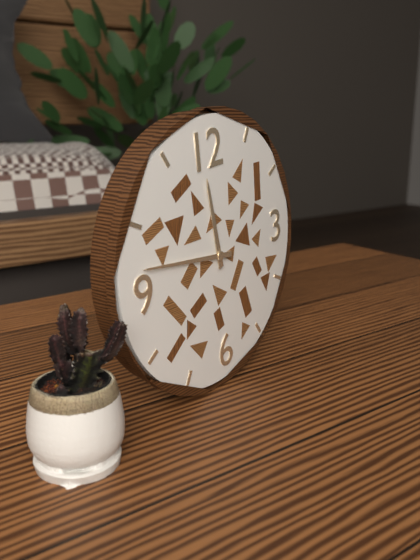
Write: 11:47
